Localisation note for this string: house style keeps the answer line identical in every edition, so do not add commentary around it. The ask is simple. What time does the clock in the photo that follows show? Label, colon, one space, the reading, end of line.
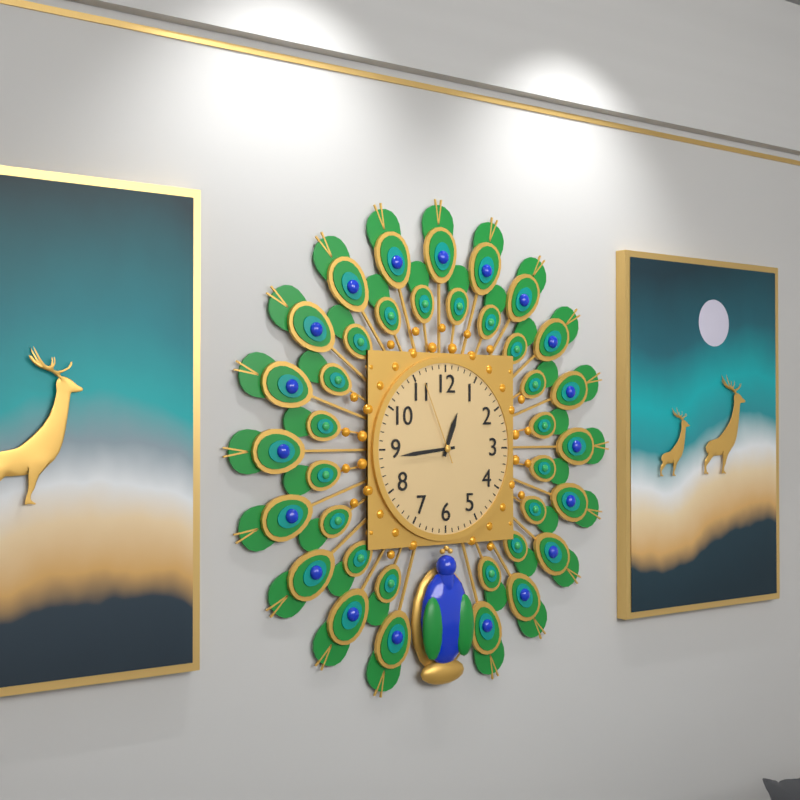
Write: 12:44:56
